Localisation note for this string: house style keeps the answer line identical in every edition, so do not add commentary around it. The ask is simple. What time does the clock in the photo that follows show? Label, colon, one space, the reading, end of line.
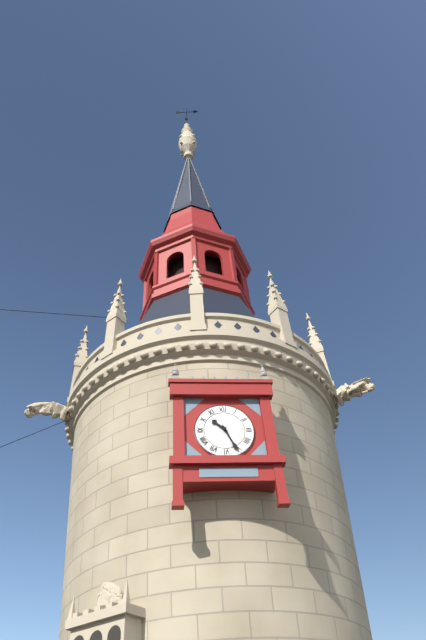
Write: 10:26
